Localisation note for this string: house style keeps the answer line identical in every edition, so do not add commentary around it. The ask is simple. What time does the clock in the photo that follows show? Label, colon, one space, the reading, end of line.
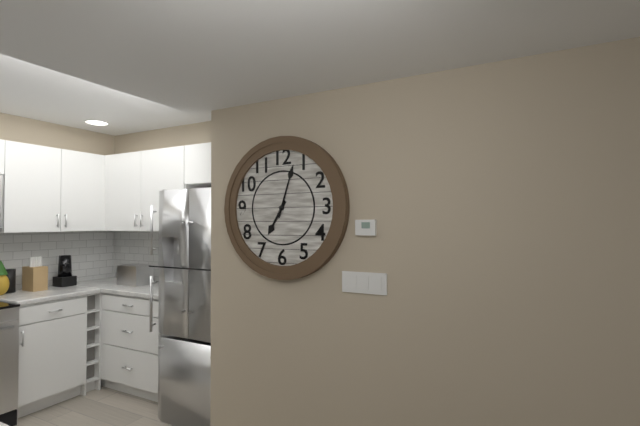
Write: 7:03
